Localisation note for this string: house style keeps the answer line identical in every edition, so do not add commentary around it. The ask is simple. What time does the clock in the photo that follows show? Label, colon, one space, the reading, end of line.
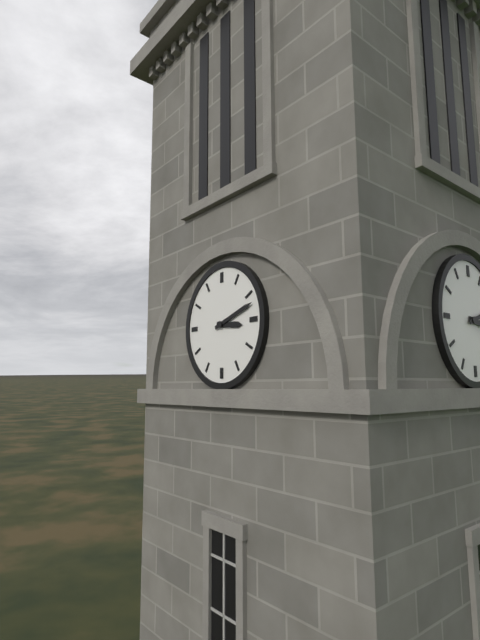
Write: 3:12
